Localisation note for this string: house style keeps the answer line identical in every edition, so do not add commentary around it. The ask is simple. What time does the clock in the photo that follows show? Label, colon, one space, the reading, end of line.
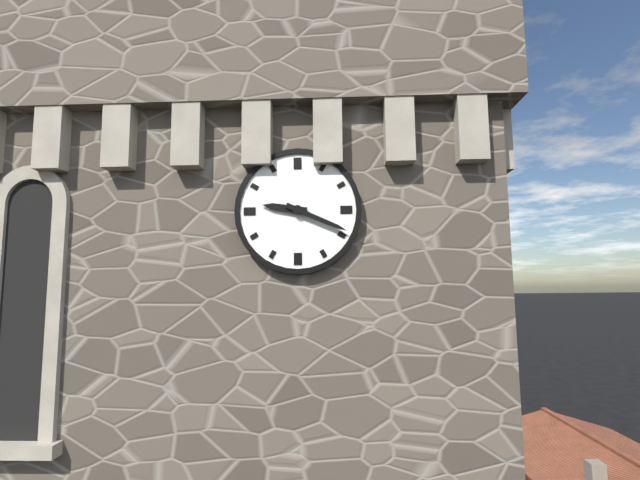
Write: 9:19
